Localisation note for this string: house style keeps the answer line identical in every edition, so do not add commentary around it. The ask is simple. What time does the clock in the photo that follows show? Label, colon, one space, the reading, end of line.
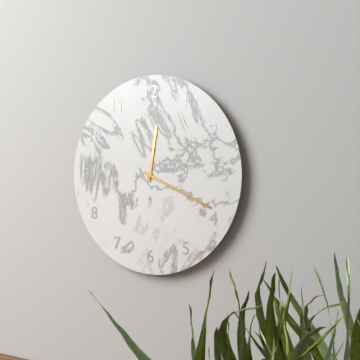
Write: 12:19
